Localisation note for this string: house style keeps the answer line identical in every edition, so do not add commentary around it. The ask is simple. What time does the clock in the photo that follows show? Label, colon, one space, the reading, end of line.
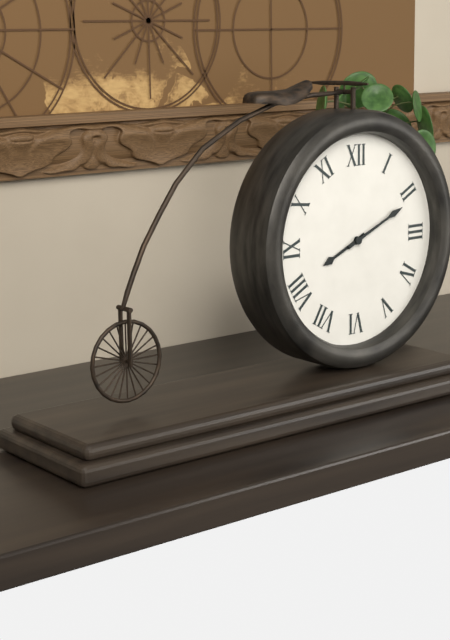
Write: 8:11
